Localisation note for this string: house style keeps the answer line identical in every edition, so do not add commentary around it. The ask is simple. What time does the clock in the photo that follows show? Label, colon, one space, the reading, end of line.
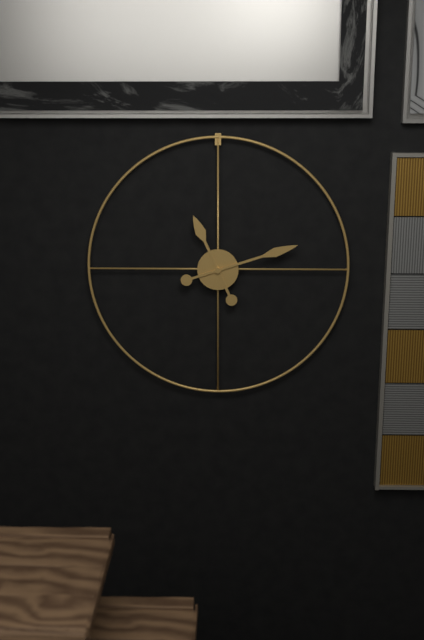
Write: 11:12
